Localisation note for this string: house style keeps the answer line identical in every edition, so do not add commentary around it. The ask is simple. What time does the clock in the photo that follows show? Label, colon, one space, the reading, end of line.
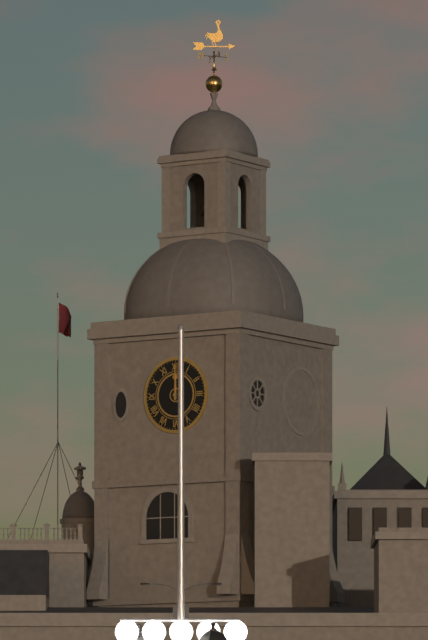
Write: 12:00
